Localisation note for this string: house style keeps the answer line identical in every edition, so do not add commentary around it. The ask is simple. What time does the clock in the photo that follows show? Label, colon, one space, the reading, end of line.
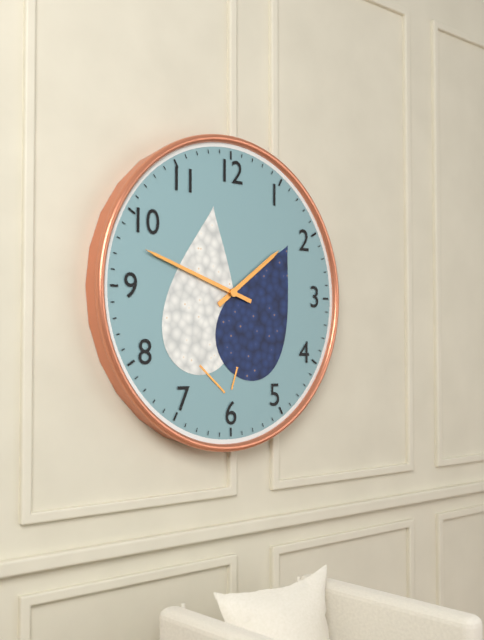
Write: 1:48
